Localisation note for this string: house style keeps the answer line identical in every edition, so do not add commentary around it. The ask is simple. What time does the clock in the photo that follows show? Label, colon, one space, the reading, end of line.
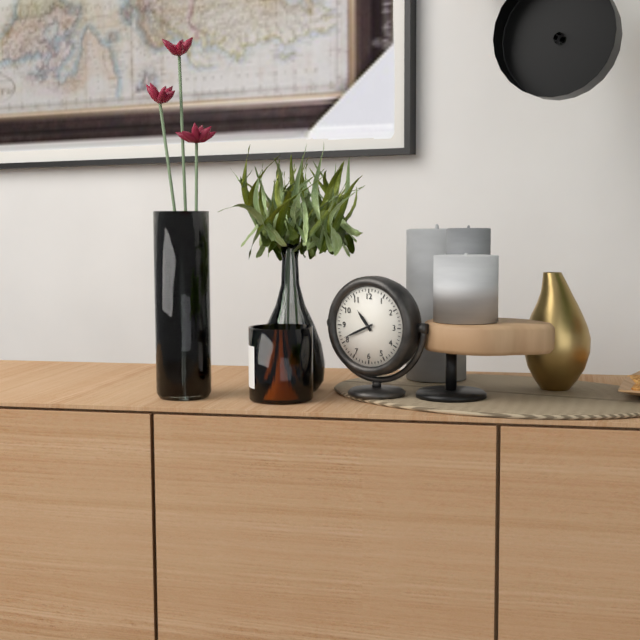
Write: 10:41
